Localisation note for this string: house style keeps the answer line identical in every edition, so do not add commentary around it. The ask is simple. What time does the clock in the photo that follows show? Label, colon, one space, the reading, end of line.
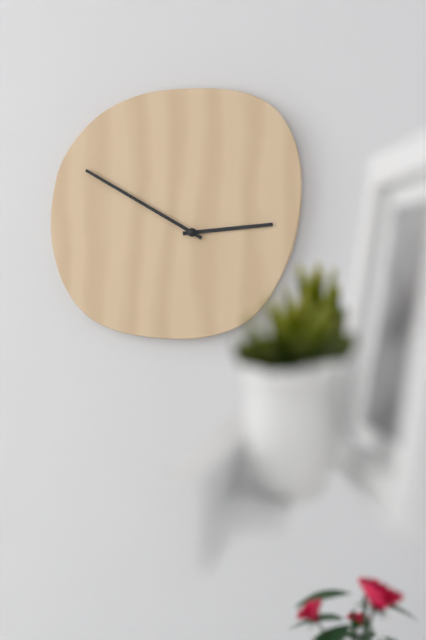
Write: 2:50
